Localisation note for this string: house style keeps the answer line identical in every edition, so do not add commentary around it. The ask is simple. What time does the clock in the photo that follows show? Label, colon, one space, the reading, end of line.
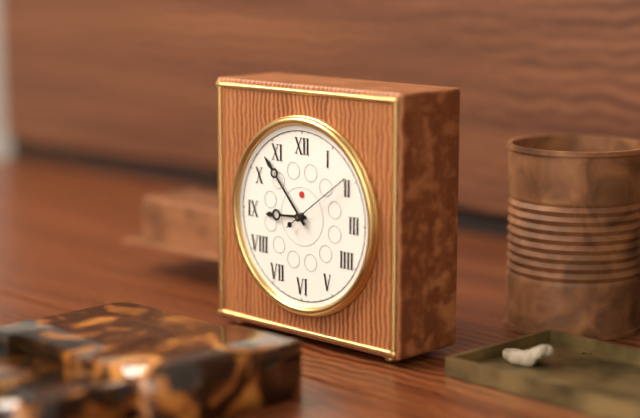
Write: 8:53:09
